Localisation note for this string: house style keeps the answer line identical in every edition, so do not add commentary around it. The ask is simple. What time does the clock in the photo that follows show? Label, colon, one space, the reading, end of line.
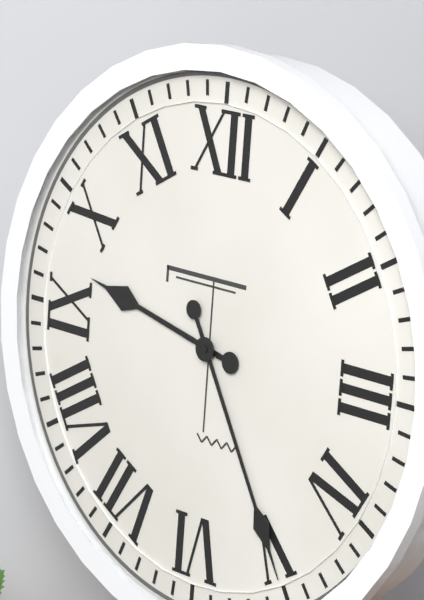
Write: 9:25
